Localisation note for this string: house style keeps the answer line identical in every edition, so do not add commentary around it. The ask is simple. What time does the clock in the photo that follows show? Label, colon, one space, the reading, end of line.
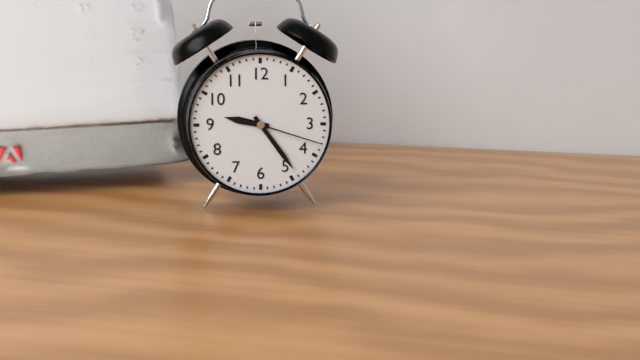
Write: 9:24:18
